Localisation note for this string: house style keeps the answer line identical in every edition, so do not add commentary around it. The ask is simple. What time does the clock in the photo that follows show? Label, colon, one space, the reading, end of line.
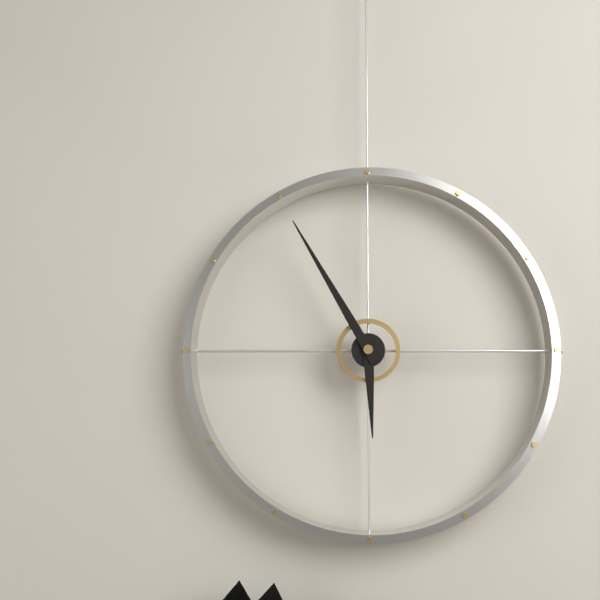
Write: 5:55
